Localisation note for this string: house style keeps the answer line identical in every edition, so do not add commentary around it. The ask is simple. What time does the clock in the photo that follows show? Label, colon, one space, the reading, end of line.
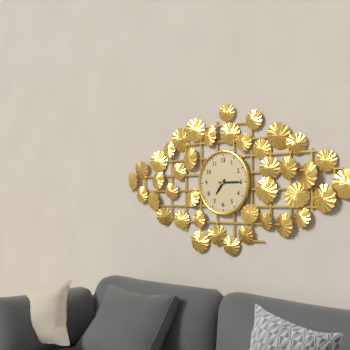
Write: 7:15
